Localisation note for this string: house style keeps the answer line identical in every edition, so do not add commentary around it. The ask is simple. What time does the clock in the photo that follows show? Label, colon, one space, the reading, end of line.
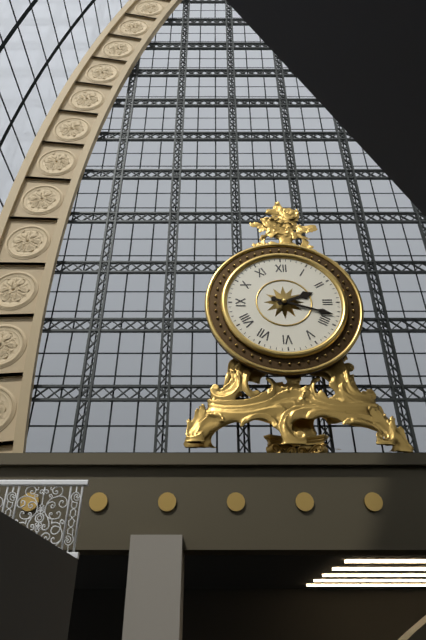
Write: 2:18
